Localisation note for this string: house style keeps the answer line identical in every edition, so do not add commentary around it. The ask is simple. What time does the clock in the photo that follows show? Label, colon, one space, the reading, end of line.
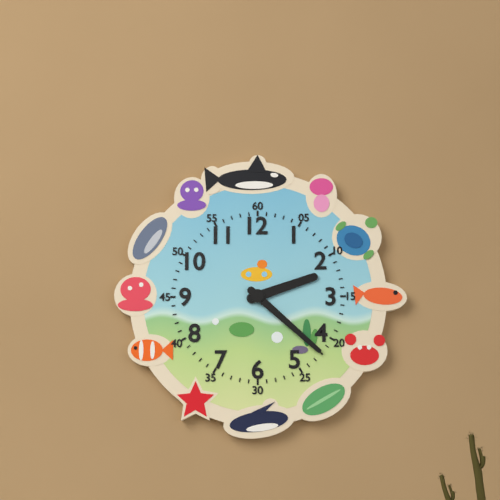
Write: 2:22
